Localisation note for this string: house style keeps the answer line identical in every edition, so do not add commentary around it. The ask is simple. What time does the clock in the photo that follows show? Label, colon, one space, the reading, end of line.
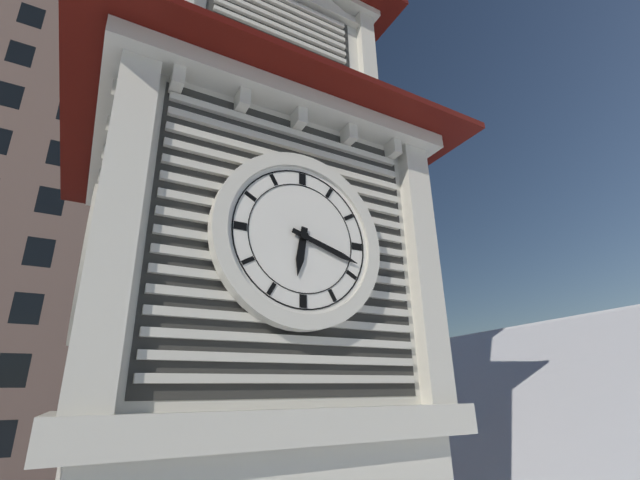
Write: 6:18
